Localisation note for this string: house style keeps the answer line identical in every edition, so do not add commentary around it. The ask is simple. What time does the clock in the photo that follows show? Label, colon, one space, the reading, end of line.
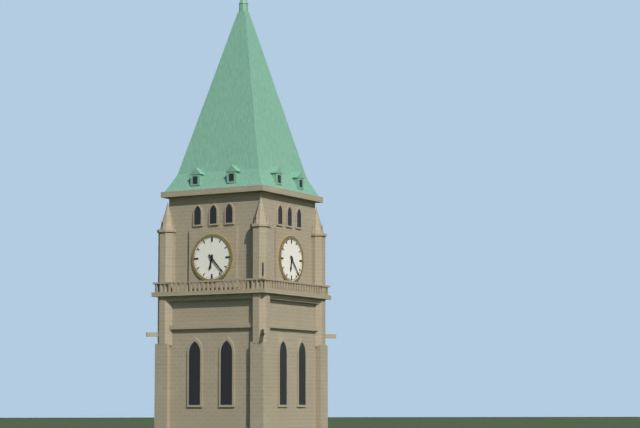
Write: 6:23
